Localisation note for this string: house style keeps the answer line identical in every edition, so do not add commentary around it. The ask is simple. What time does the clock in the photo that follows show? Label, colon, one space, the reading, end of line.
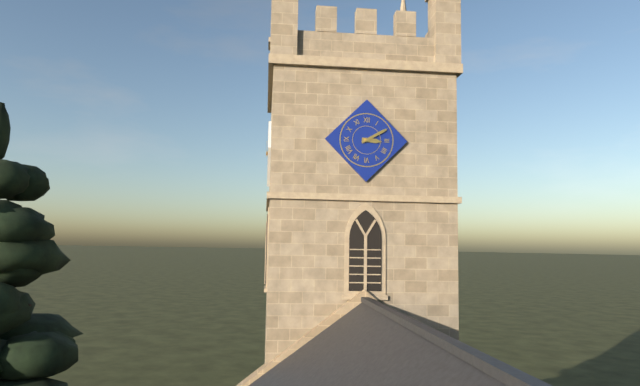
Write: 3:10
